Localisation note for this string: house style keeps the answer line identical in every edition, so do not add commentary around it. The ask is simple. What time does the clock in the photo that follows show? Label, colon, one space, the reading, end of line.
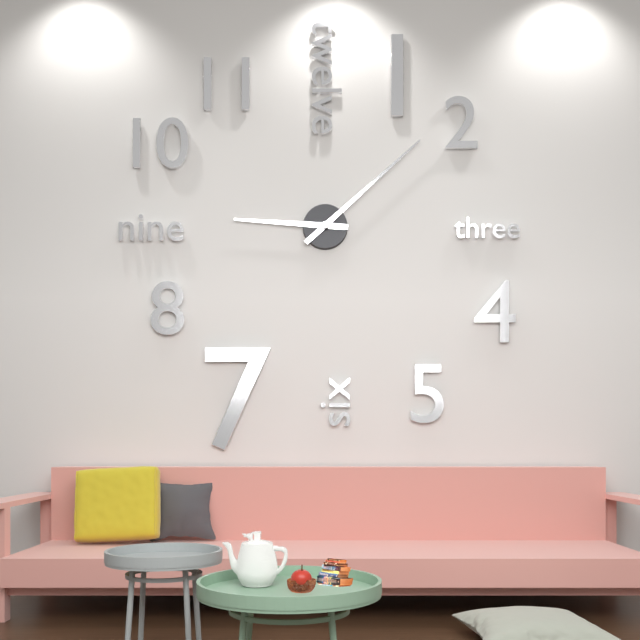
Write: 9:08
